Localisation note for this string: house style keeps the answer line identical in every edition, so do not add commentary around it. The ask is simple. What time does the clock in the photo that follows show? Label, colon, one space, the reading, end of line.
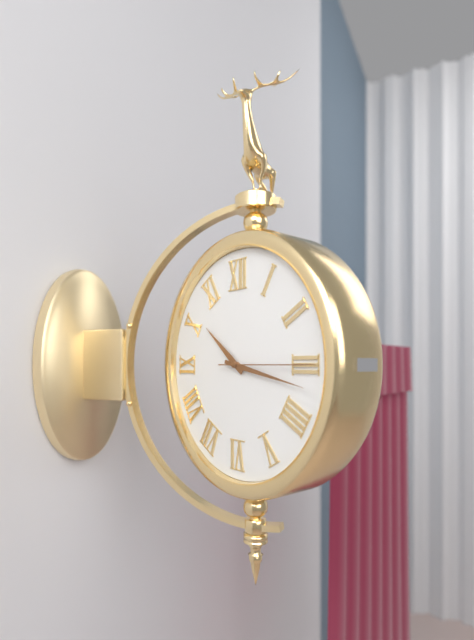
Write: 10:17:15
